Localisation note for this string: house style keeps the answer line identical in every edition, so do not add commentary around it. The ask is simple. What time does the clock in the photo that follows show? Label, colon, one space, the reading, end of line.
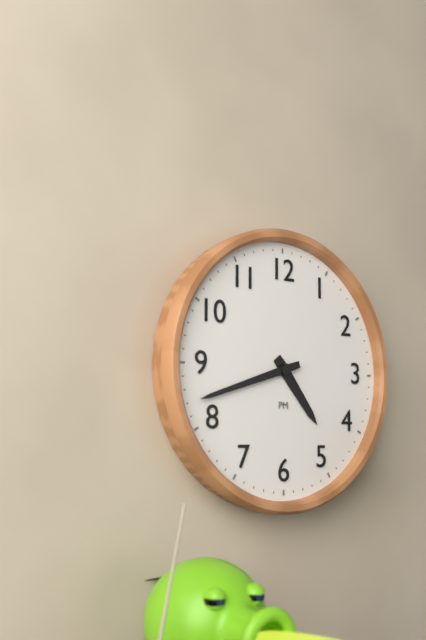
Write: 4:42
